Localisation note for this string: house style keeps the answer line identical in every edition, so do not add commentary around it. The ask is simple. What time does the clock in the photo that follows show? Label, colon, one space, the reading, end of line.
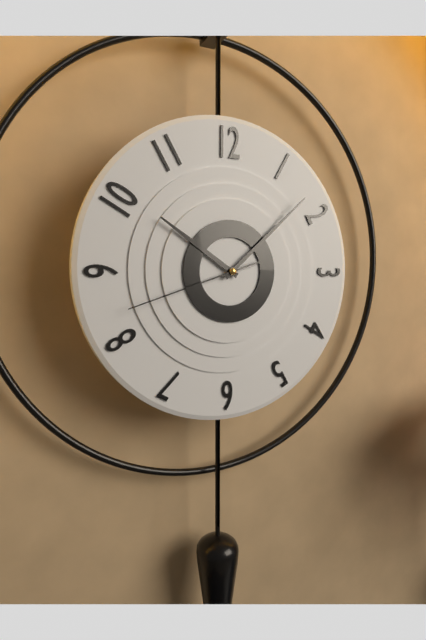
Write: 10:08:42
